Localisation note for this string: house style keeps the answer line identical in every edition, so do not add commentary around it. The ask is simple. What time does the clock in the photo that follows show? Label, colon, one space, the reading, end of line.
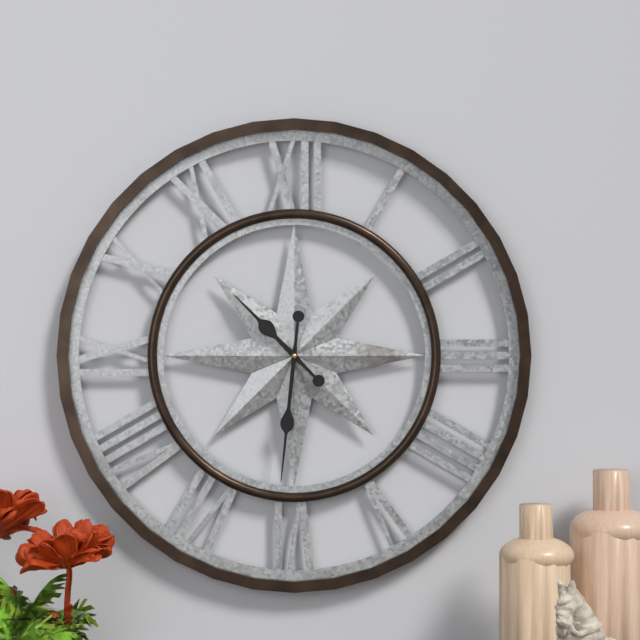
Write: 10:31
